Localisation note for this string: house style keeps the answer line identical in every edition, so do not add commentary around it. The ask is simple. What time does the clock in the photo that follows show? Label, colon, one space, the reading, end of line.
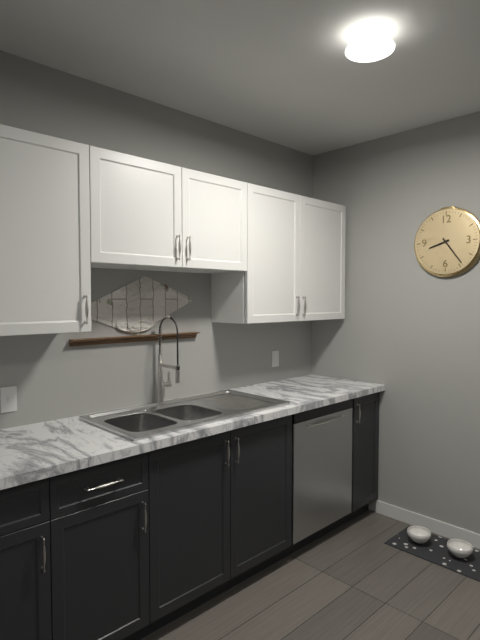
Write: 8:24
